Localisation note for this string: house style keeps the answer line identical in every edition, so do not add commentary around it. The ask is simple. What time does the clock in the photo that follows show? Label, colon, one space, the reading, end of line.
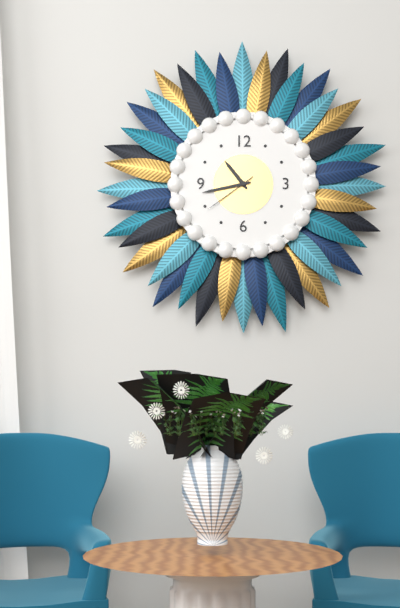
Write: 10:43:39
